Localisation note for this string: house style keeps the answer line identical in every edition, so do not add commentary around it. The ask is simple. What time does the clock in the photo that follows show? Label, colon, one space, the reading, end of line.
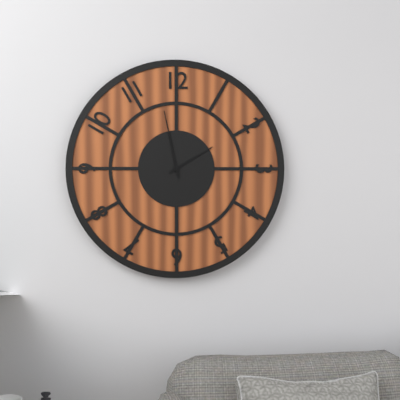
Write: 1:58
